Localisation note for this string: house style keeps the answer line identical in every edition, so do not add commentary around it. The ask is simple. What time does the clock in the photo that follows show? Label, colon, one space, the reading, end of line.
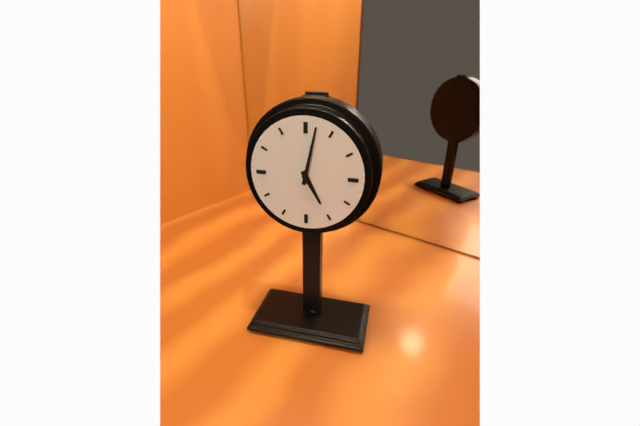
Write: 5:02
